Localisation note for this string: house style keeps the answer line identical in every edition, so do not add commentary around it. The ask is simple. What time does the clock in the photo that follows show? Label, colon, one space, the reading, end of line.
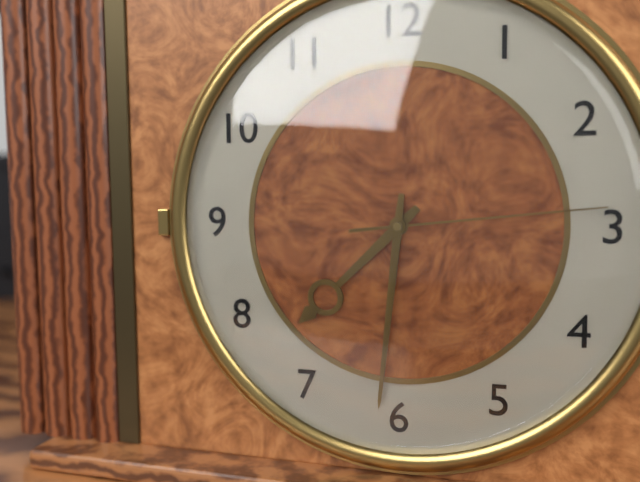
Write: 7:31:14
